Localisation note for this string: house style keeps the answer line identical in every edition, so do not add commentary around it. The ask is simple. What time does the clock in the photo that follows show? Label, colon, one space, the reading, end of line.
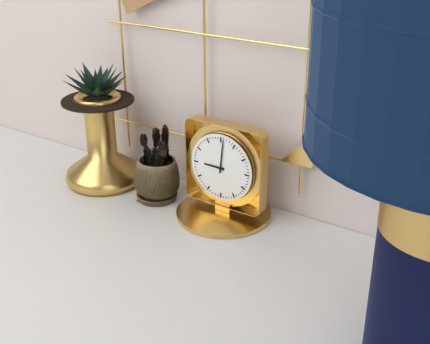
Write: 9:01
